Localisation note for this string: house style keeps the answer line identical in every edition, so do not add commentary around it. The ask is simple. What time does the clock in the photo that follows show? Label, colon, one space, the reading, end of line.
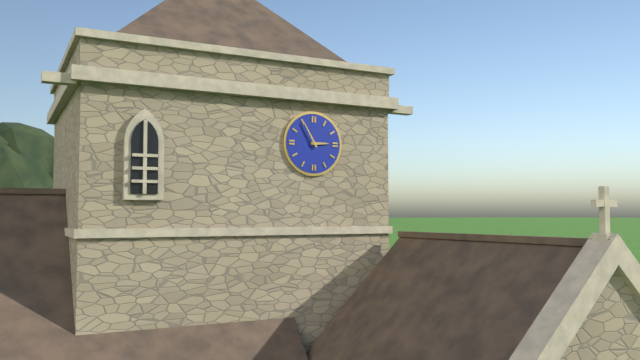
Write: 2:55
